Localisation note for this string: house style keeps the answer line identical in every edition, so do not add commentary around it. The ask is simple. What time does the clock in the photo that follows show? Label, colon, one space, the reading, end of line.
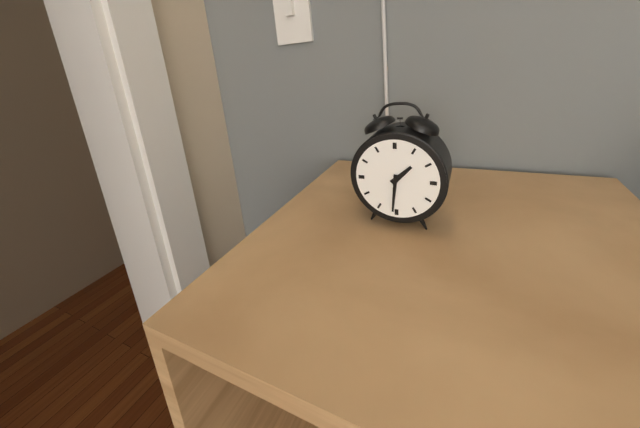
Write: 1:31
